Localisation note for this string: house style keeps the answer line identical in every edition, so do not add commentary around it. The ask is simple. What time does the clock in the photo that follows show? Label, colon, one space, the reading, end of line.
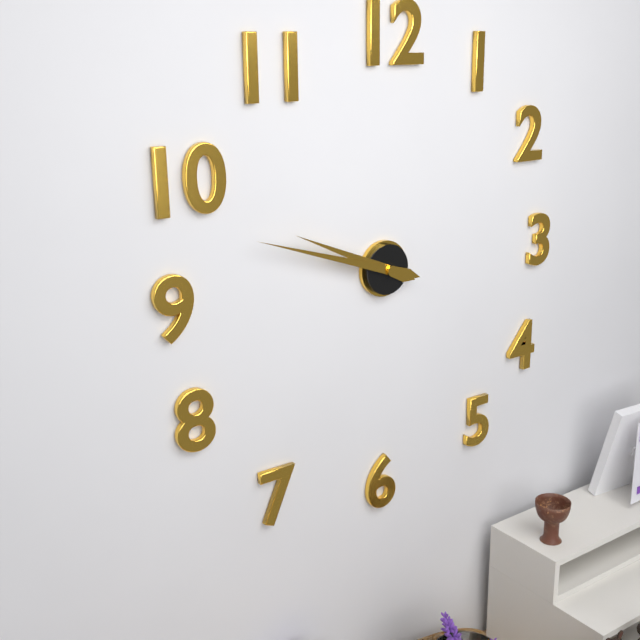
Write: 9:48
